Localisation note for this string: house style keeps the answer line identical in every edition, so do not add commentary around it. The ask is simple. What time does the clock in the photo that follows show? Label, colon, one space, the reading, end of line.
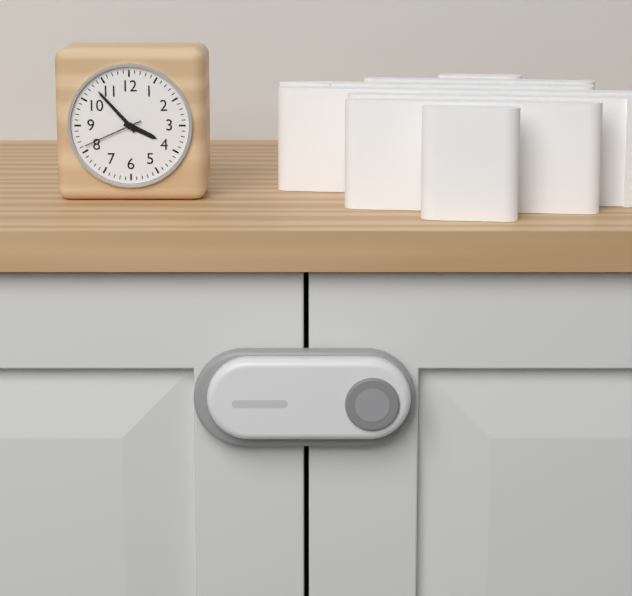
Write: 3:53:41
